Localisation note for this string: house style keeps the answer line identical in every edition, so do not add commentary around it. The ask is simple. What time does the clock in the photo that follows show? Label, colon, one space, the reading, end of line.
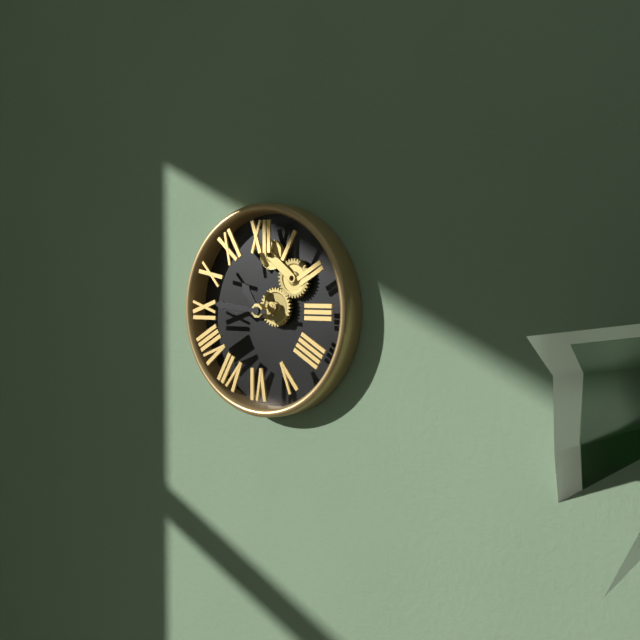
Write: 10:46
